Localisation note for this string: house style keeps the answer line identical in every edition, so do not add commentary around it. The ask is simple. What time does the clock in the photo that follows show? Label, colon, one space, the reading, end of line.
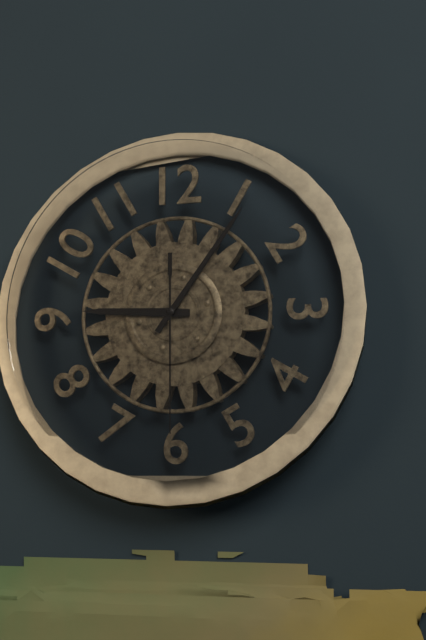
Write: 9:06:30
